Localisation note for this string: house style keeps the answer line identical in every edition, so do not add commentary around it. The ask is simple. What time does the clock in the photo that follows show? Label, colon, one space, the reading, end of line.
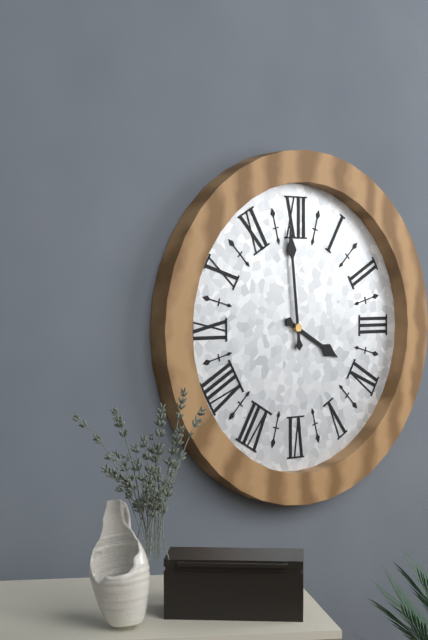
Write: 3:59
